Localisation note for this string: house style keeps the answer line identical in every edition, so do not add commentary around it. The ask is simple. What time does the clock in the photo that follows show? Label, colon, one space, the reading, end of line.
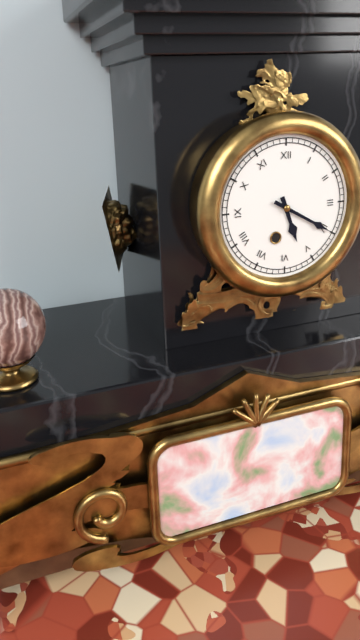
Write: 5:20
